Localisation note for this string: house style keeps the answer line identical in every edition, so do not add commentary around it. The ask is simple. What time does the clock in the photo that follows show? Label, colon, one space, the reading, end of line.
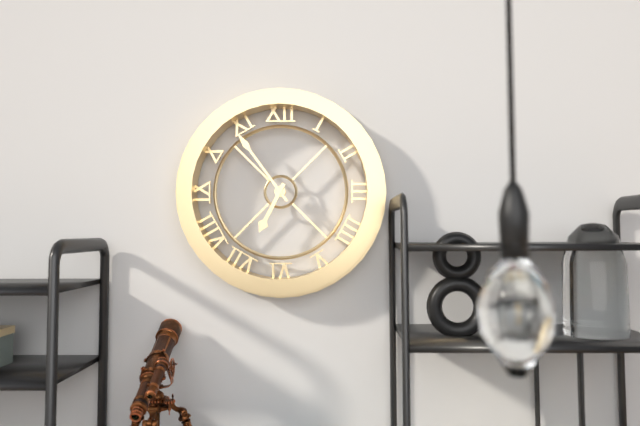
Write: 6:54
